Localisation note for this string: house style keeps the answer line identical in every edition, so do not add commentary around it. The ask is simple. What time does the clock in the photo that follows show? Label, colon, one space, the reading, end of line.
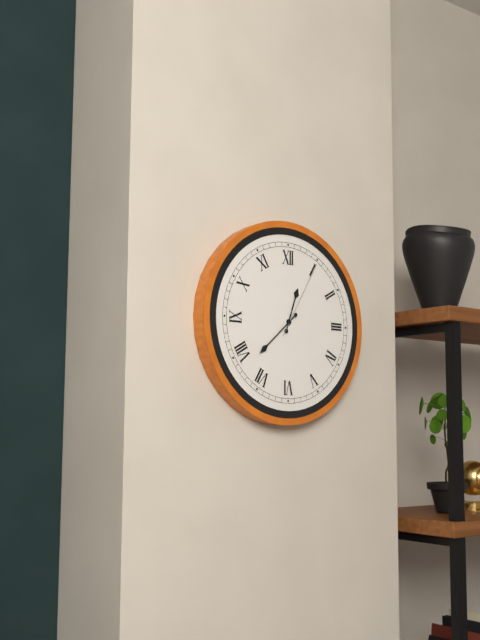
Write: 12:38:05
